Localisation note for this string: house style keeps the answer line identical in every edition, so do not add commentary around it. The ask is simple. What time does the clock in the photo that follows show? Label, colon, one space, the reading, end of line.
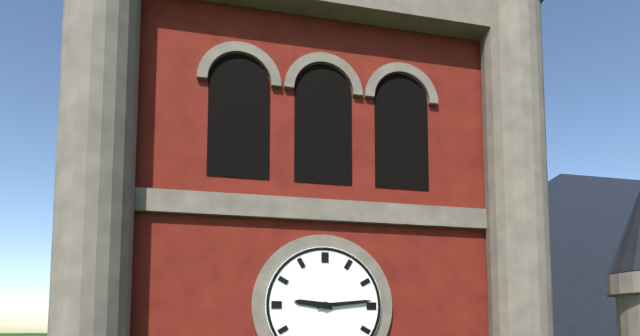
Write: 9:14
